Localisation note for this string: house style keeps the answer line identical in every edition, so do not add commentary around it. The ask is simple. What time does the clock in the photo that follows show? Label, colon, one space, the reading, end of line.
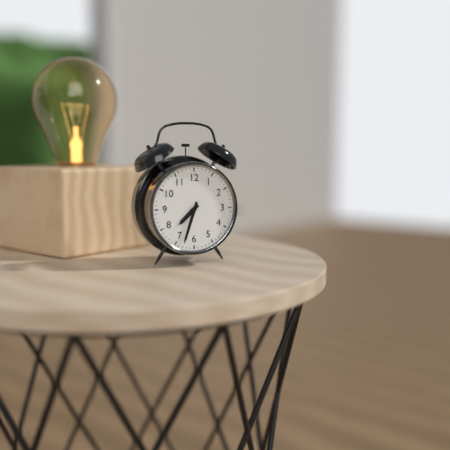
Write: 7:33
